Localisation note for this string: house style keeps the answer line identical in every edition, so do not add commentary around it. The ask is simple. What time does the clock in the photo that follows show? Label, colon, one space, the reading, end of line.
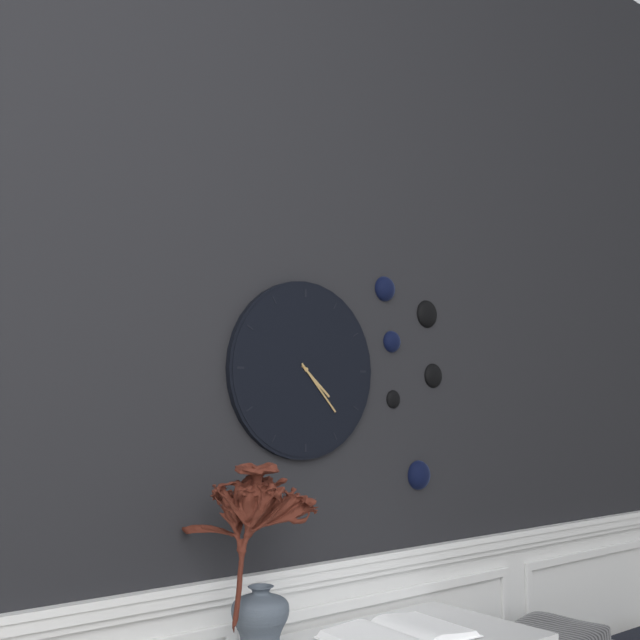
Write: 4:23
